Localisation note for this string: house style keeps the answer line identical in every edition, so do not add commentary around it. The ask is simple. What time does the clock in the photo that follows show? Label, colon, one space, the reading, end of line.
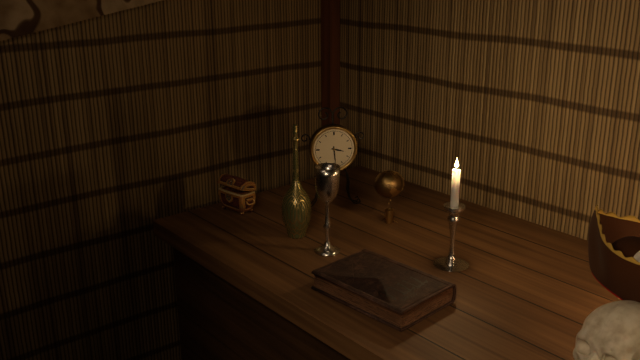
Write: 3:29
